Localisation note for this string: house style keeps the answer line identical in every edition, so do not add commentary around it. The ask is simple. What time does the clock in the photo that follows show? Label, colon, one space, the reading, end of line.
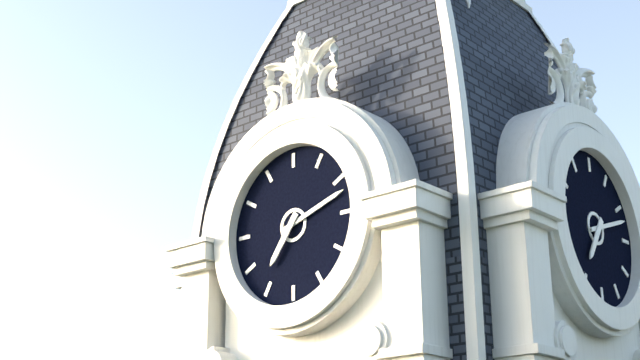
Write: 7:12
